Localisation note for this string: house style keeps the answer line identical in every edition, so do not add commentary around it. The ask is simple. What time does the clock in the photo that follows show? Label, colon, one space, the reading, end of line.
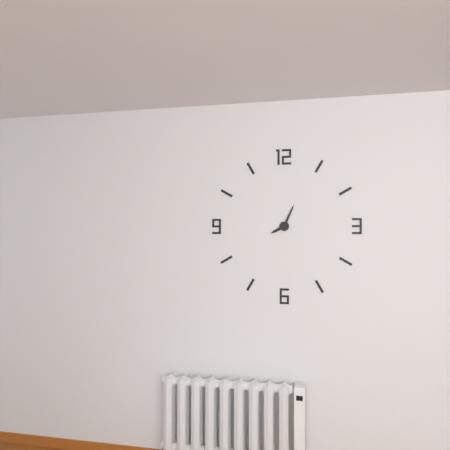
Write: 8:04
